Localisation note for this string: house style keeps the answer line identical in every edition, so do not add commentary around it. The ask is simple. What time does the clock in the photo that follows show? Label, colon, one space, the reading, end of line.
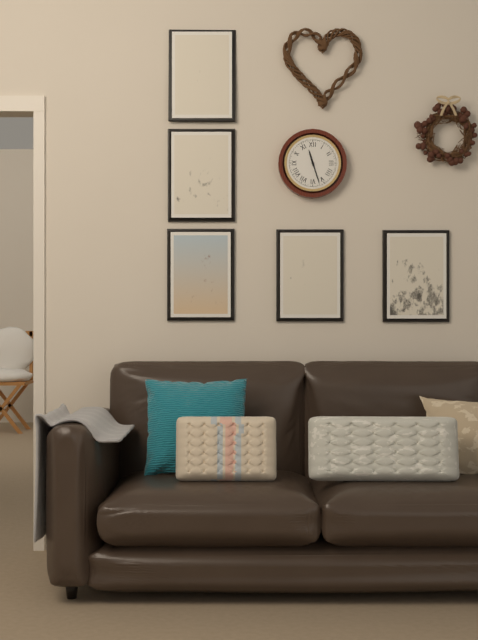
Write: 11:27
